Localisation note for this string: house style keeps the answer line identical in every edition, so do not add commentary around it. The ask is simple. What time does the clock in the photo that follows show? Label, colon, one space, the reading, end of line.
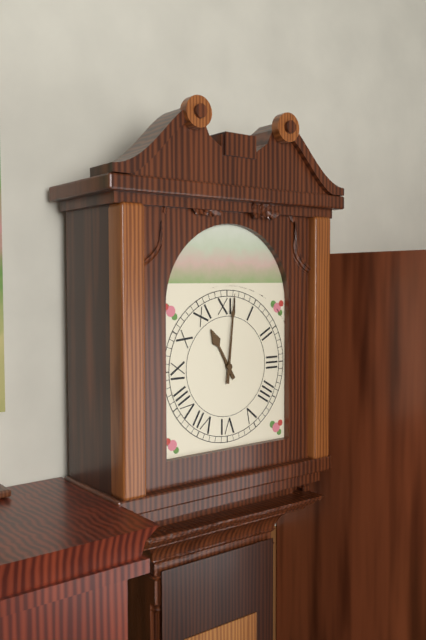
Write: 11:01
